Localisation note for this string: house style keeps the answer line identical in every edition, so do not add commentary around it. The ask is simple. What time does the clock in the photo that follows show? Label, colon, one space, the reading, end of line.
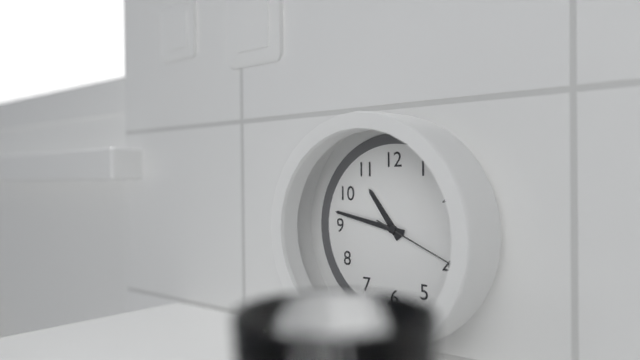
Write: 10:47:19
